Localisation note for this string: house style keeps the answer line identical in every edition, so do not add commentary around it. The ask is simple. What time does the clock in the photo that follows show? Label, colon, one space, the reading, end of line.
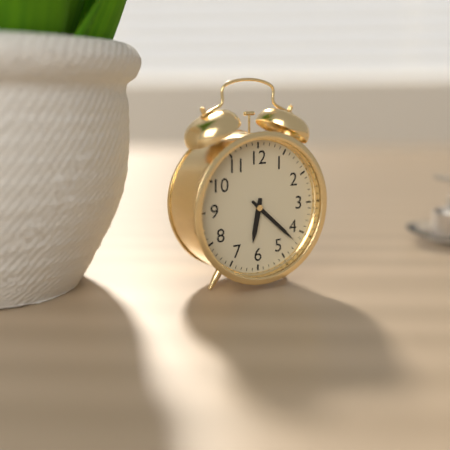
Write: 6:22
